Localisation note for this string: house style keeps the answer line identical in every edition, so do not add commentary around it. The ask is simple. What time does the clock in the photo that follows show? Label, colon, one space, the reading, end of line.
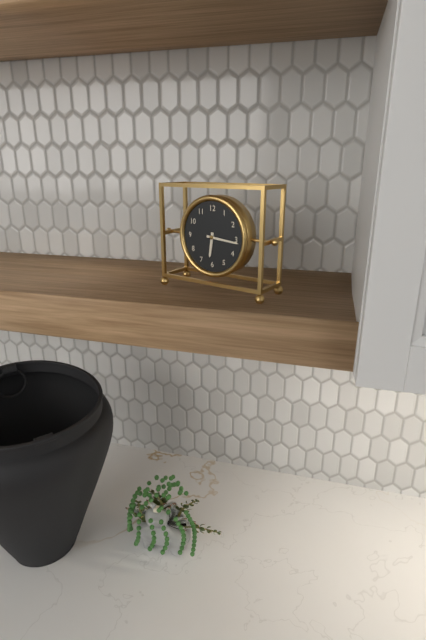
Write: 6:16
